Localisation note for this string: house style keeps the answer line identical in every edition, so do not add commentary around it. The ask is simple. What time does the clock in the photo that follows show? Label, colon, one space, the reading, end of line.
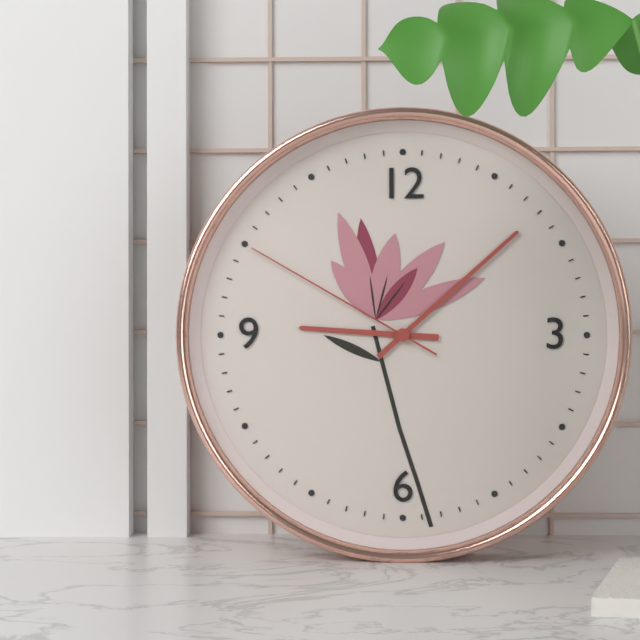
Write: 9:08:50
